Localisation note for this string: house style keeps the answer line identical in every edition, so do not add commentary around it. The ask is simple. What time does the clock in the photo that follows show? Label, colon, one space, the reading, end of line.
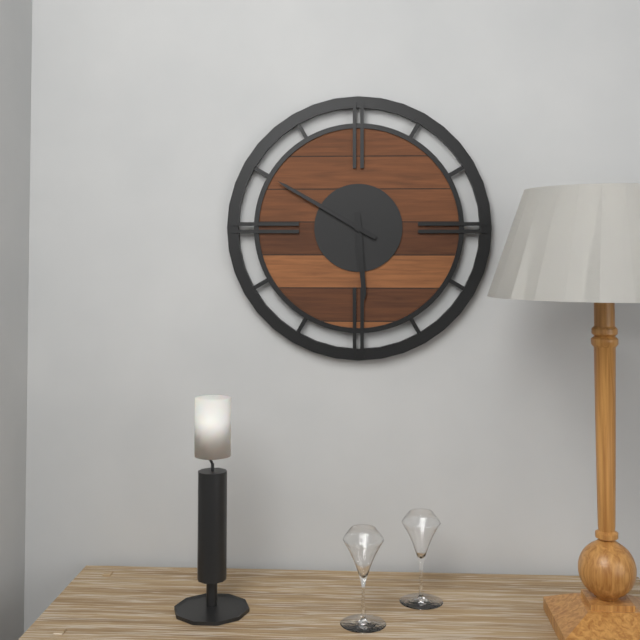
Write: 5:50
